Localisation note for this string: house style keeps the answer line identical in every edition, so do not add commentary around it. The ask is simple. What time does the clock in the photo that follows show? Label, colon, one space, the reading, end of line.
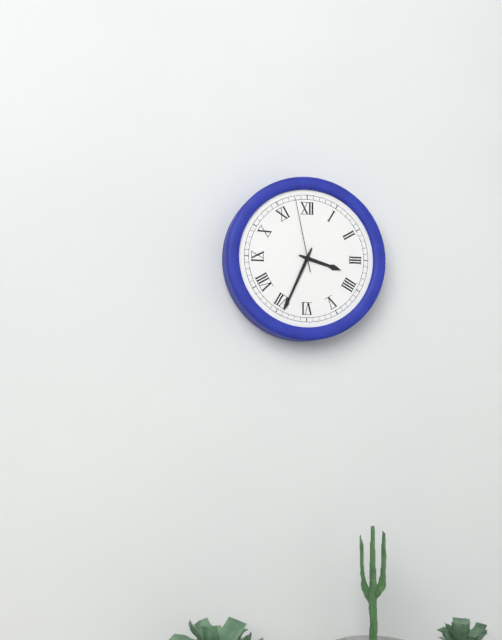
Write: 3:34:58
